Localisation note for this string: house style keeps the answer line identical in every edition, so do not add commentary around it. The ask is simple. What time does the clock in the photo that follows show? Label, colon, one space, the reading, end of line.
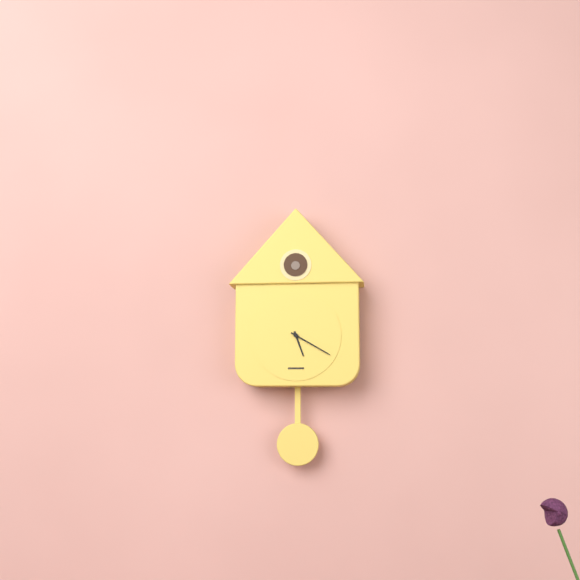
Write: 5:20
